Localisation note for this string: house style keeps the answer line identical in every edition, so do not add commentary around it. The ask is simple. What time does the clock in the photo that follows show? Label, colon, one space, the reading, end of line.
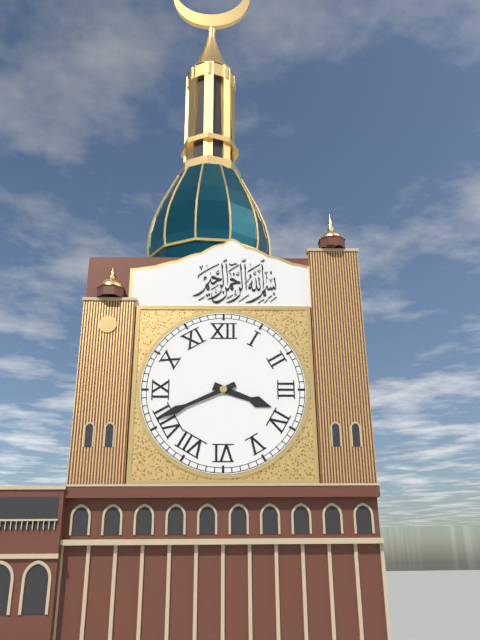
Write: 3:41
